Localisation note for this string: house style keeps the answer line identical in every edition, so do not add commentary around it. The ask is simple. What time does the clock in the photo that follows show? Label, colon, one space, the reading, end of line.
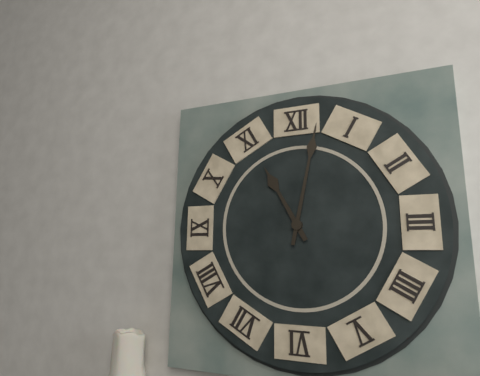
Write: 11:02
